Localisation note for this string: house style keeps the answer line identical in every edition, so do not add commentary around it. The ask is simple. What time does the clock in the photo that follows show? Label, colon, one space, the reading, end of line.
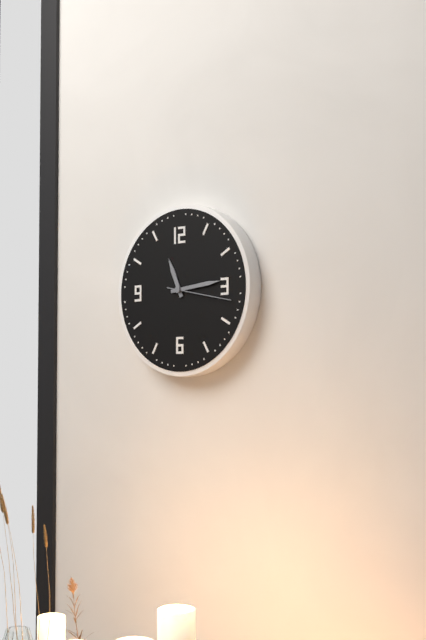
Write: 11:14:17
